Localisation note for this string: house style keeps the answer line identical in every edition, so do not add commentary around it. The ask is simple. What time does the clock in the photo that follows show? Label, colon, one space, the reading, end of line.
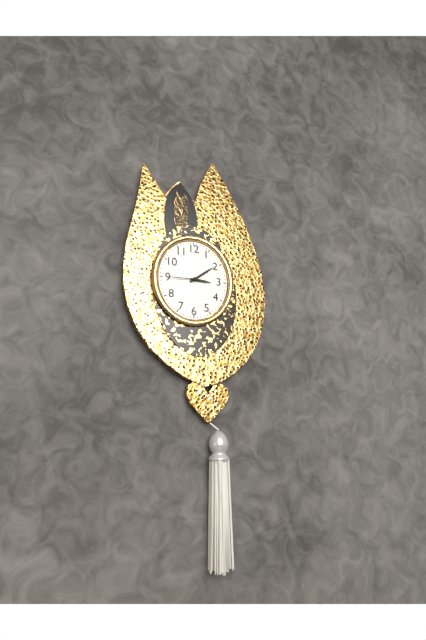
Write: 3:09
